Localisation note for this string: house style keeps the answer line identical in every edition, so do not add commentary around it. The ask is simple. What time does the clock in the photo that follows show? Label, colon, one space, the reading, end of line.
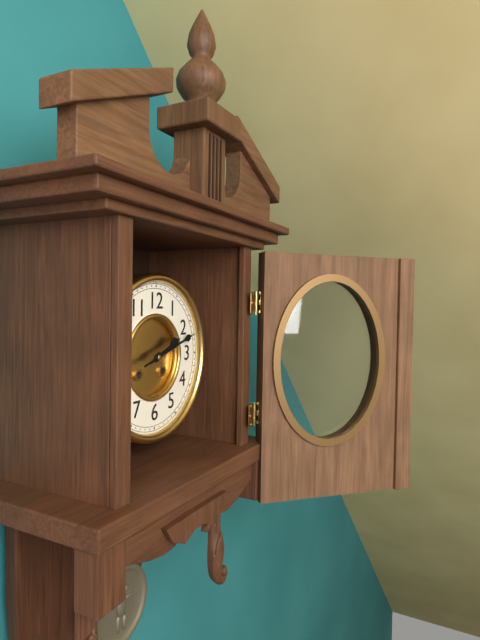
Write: 2:12
